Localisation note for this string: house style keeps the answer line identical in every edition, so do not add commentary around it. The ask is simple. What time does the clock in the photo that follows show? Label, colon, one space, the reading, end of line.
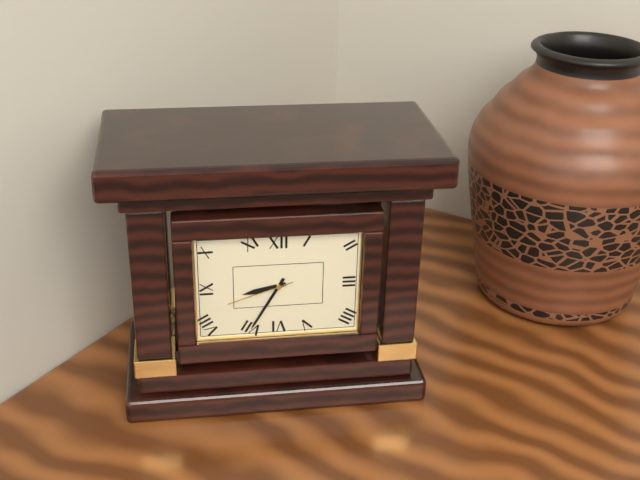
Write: 8:35:42
